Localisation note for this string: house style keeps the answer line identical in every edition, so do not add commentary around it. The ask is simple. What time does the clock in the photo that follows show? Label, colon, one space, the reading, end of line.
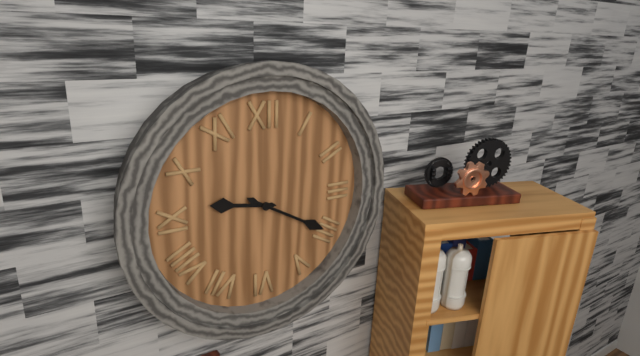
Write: 9:20
